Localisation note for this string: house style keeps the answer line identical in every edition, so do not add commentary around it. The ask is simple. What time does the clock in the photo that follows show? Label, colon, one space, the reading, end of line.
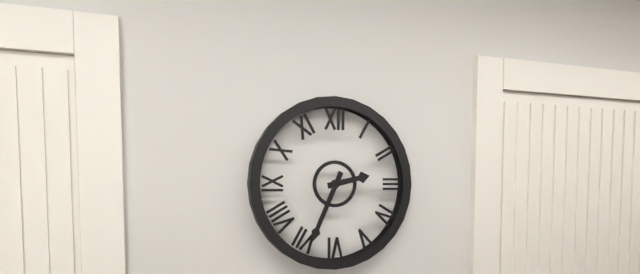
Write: 2:34
